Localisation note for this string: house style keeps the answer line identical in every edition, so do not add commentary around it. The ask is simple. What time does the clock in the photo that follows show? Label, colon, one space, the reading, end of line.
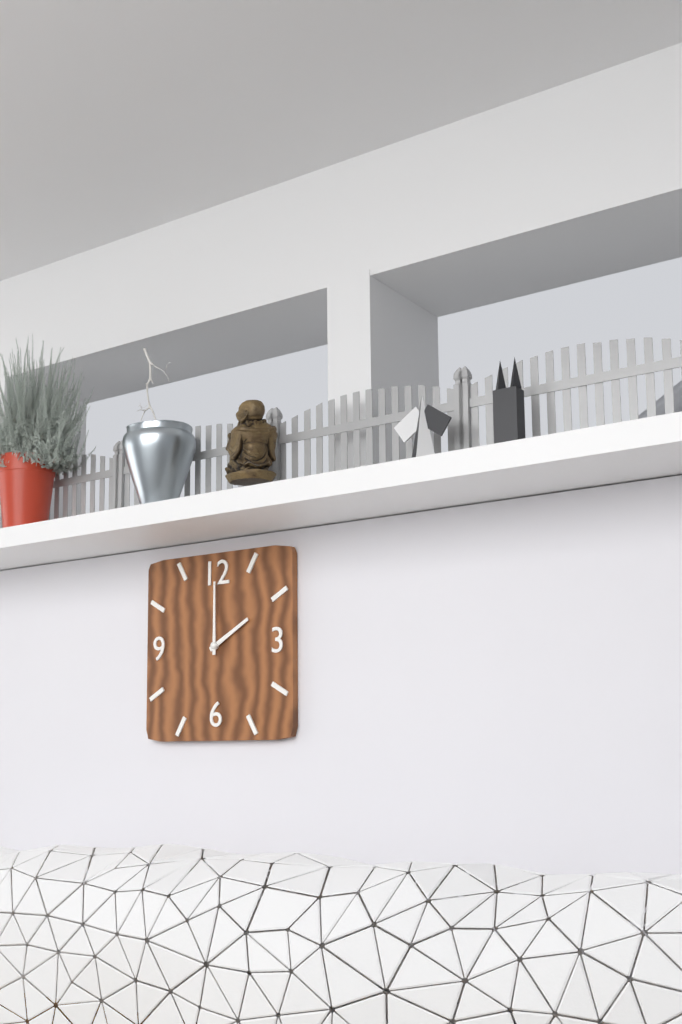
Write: 2:00
